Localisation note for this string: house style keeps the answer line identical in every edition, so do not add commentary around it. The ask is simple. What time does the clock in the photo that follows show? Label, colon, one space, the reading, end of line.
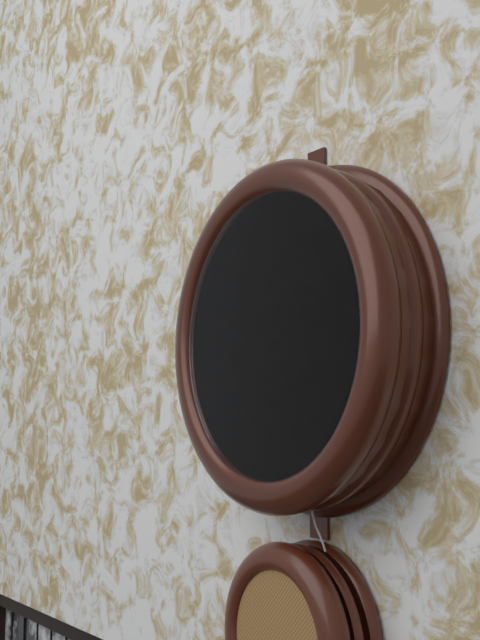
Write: 5:41
